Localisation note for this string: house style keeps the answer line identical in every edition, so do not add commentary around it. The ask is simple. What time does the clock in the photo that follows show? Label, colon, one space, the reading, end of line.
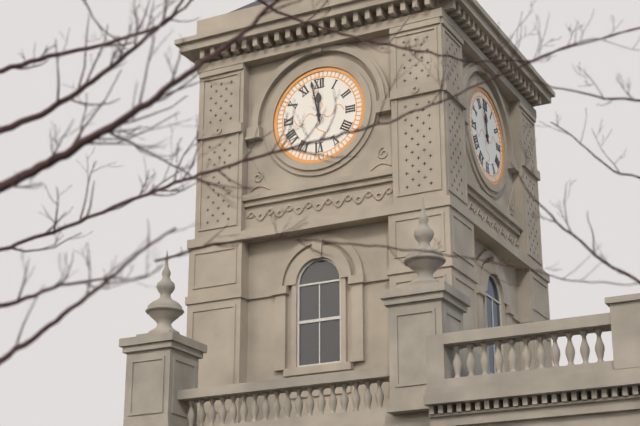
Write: 11:58
